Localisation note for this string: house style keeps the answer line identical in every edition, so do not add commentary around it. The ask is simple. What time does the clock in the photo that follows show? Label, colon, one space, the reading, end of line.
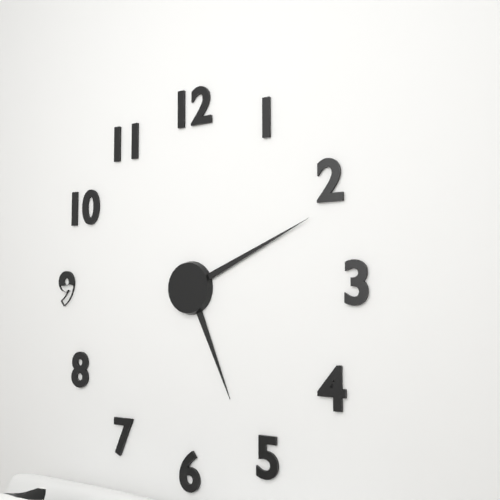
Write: 5:11
